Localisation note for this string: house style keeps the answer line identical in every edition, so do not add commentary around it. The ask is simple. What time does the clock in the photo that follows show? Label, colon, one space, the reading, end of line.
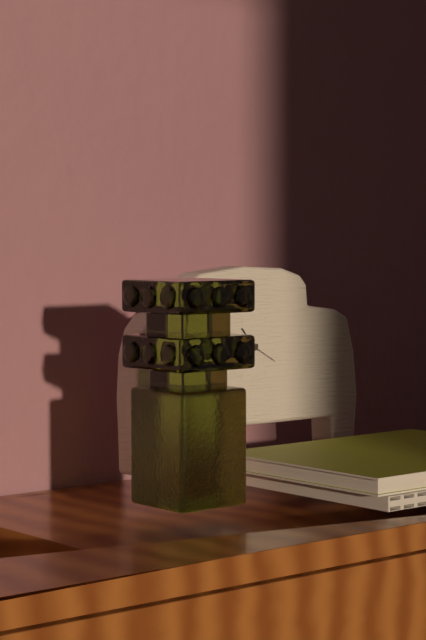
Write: 10:40
